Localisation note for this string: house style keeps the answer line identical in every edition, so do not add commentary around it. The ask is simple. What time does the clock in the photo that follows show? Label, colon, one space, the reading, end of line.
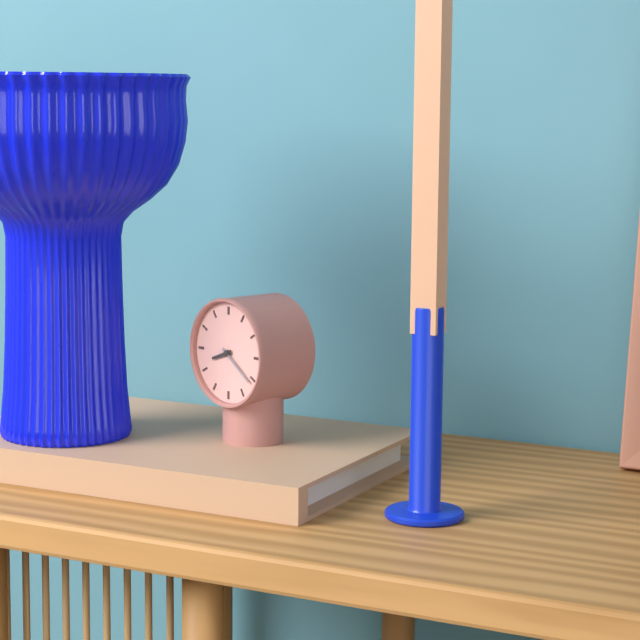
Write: 8:21
